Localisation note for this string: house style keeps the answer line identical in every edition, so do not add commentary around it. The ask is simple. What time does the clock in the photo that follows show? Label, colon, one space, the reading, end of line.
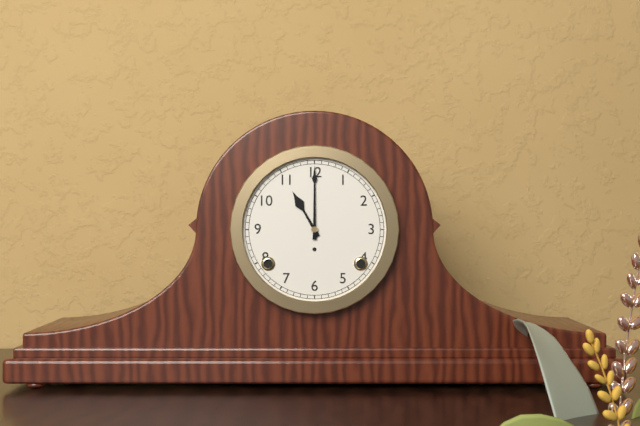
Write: 11:00
